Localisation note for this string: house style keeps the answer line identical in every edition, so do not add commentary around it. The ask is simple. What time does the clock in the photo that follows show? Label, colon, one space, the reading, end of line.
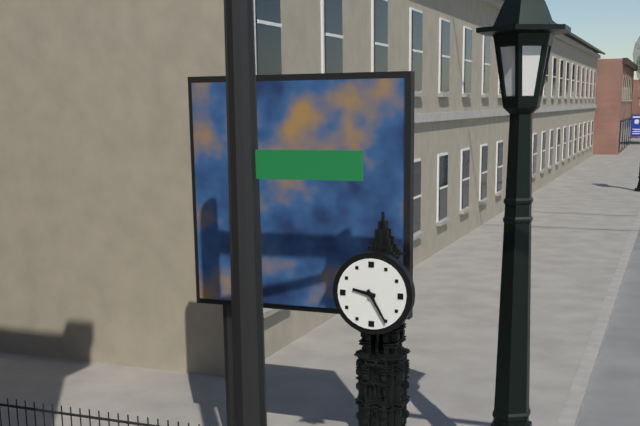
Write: 9:25
